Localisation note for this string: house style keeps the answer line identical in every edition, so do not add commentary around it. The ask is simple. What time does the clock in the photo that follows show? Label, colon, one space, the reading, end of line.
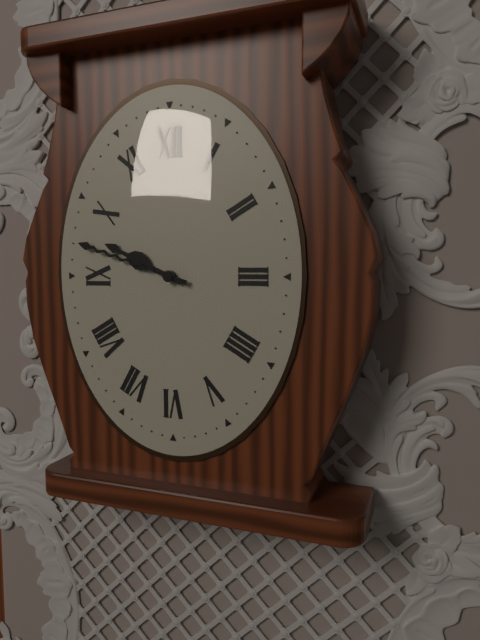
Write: 9:48
